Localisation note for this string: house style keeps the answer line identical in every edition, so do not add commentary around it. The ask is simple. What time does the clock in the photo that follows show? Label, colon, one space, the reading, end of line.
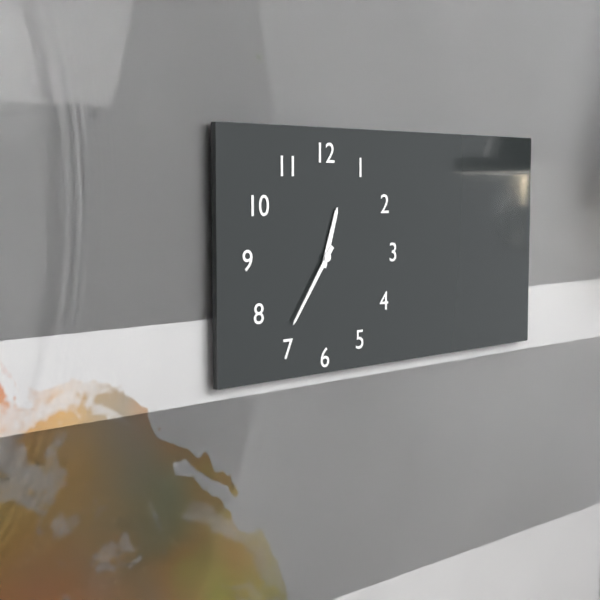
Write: 12:36
